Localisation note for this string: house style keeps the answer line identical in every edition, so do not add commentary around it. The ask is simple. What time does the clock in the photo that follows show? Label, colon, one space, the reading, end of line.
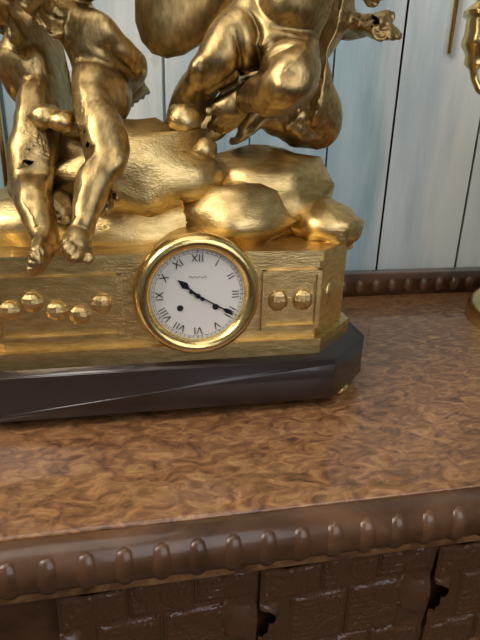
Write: 10:20
